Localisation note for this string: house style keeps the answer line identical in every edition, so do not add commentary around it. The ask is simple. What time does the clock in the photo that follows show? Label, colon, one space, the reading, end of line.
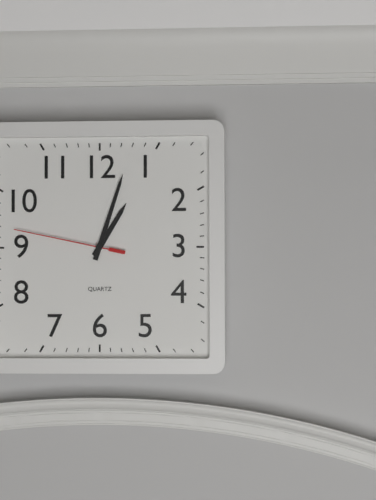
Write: 1:03:47
